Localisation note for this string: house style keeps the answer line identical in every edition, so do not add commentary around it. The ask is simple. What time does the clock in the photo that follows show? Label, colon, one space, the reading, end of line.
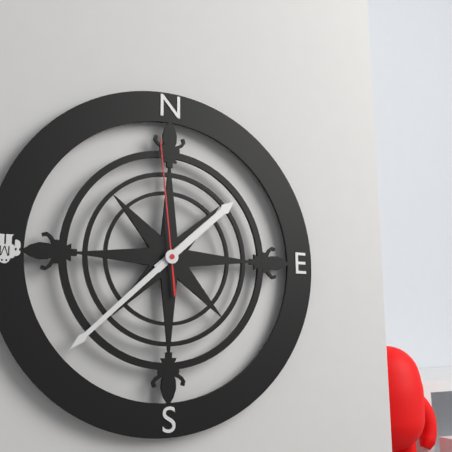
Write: 1:38:59
